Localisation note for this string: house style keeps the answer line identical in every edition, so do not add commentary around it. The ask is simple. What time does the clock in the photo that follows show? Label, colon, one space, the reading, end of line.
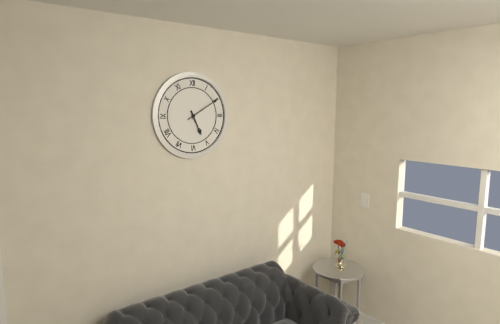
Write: 5:10
